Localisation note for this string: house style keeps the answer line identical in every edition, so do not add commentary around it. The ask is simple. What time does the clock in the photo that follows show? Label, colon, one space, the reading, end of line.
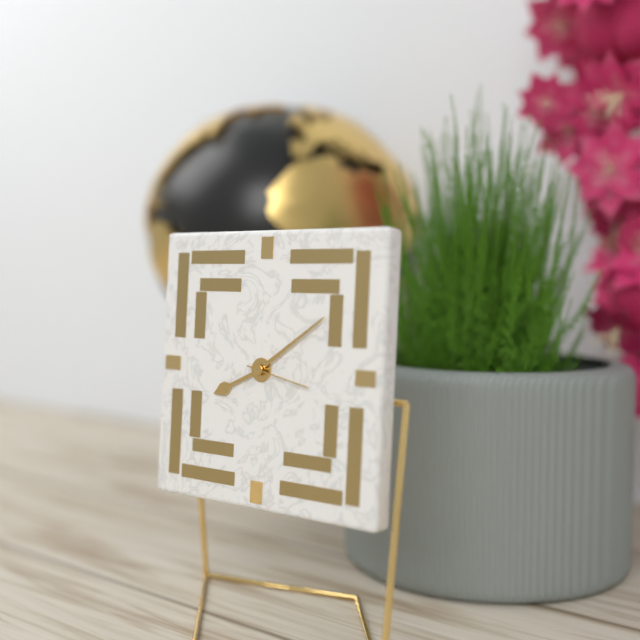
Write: 8:09:17
